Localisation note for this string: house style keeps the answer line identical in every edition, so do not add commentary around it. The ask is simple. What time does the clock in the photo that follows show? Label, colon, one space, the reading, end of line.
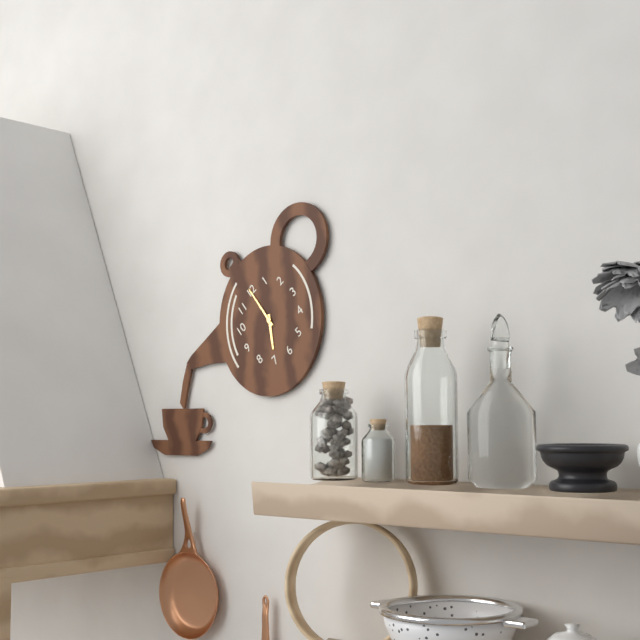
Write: 7:00
